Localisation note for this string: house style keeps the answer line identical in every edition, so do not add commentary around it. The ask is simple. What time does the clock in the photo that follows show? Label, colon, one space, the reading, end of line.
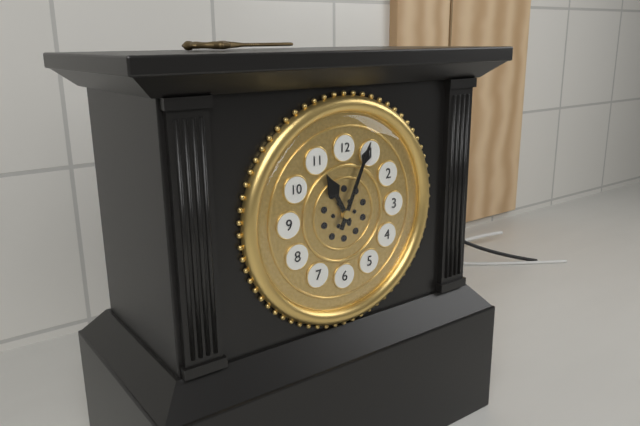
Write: 11:04
